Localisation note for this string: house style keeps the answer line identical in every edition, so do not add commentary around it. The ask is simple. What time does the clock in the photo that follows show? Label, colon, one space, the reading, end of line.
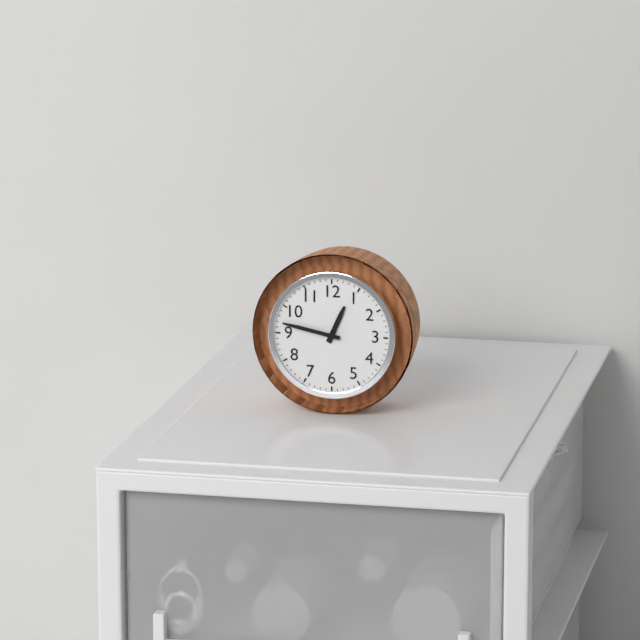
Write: 12:47
